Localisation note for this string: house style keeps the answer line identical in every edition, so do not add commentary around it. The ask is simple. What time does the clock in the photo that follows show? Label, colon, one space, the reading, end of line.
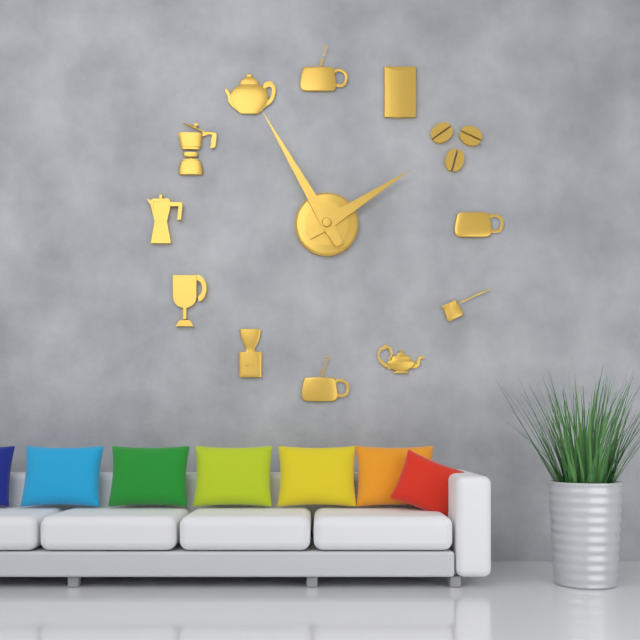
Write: 1:55
